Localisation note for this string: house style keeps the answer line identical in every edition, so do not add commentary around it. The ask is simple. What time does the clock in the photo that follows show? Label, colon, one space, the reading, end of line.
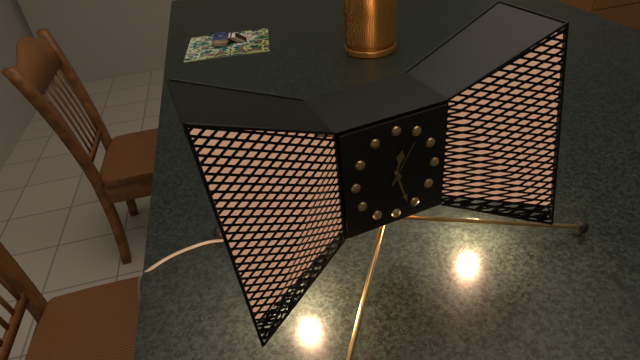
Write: 12:27
